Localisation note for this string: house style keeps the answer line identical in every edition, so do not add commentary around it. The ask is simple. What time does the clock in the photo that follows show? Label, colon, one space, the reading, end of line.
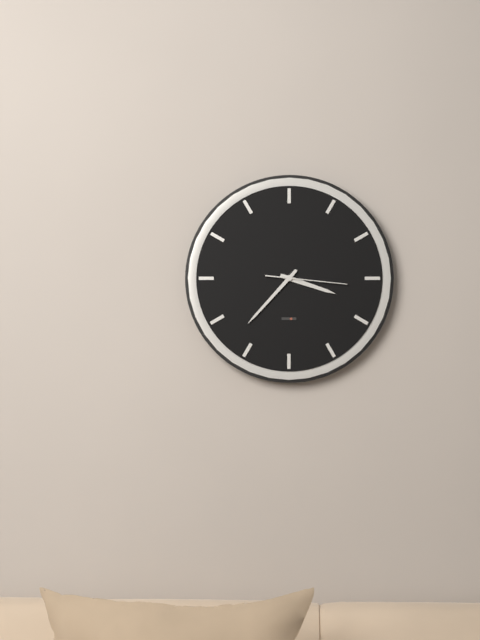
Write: 3:37:16
